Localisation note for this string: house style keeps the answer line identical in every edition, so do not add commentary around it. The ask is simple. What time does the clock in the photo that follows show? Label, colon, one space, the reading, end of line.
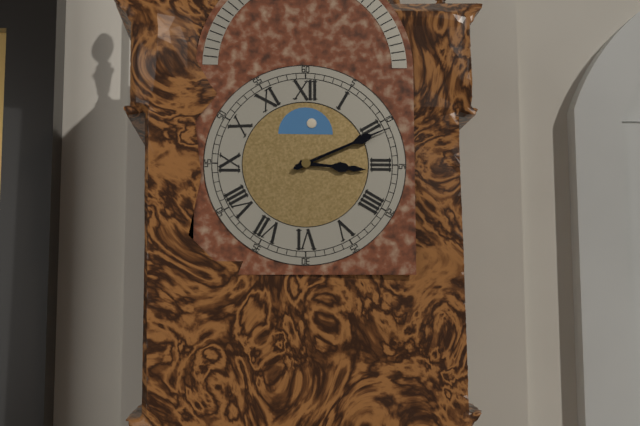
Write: 3:11
